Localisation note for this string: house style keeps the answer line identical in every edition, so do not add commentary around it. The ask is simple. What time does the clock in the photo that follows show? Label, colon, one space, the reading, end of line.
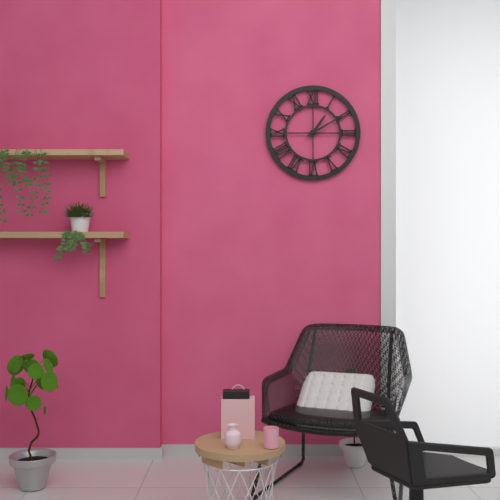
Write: 1:10
